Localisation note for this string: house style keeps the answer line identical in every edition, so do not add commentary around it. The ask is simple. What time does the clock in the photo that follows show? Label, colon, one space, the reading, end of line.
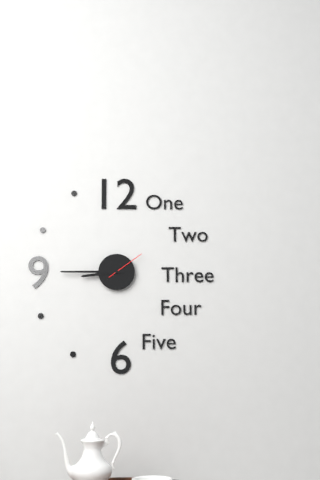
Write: 8:45
